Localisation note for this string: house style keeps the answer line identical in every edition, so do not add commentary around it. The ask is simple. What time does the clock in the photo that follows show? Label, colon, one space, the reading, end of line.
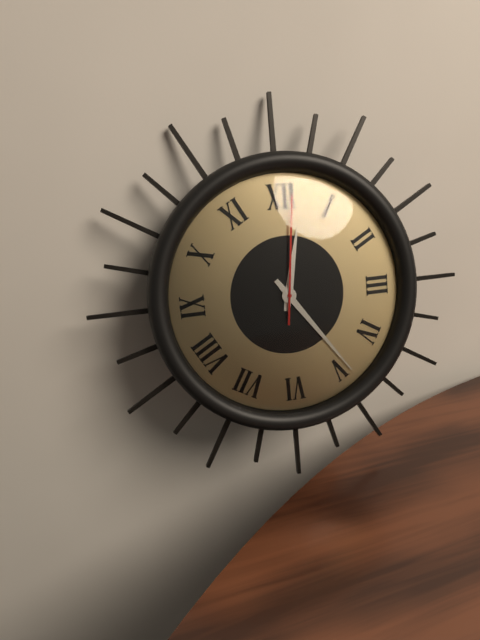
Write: 12:24:01
